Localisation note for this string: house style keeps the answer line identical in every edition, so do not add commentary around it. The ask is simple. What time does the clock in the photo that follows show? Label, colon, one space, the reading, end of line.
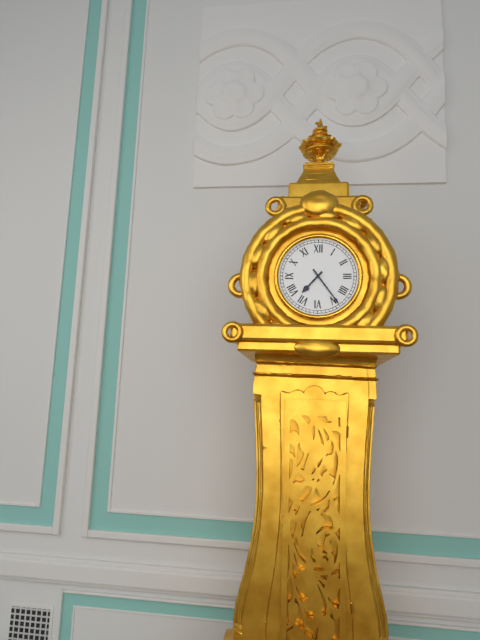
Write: 7:24
